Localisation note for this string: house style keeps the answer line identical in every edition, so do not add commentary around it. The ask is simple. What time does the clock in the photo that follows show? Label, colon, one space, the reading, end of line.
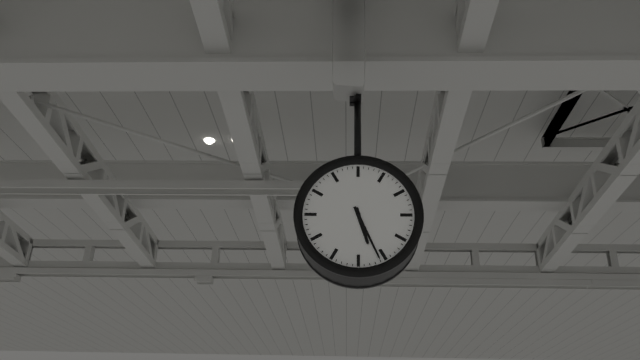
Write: 5:26
